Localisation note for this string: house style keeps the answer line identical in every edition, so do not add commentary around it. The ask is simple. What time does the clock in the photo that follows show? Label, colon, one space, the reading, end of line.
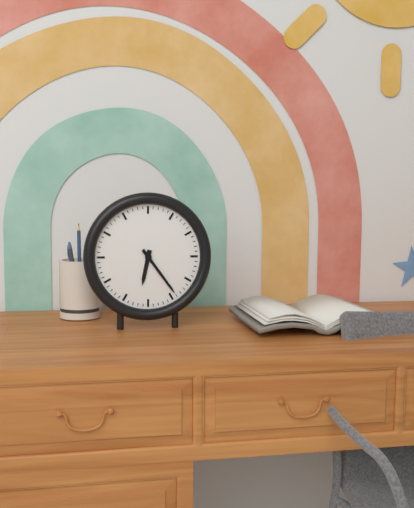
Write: 6:24
